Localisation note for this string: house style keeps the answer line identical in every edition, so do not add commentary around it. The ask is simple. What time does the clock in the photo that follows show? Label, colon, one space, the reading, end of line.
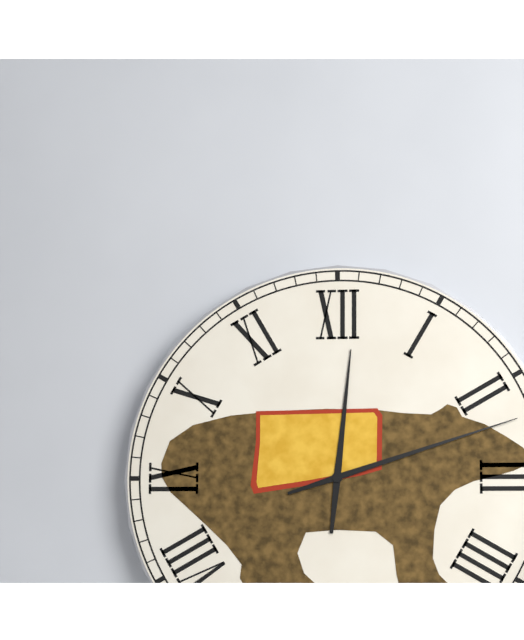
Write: 12:12
